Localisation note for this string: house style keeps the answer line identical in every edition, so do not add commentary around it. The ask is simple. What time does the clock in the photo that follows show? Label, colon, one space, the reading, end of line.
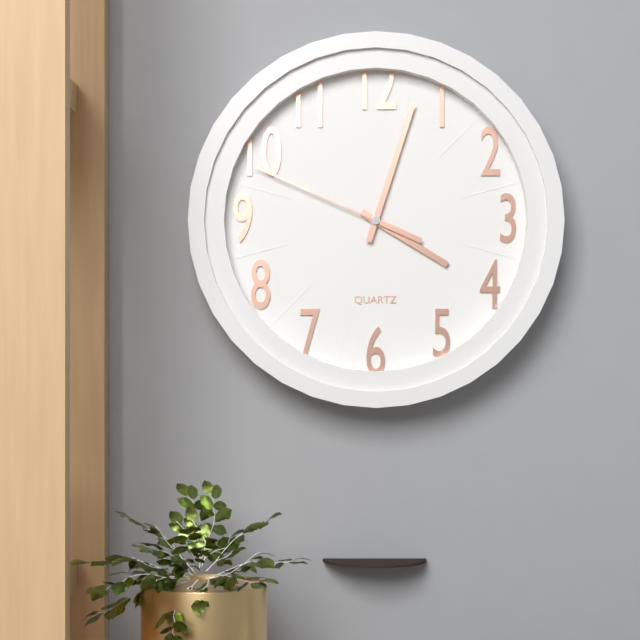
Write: 4:03:49
